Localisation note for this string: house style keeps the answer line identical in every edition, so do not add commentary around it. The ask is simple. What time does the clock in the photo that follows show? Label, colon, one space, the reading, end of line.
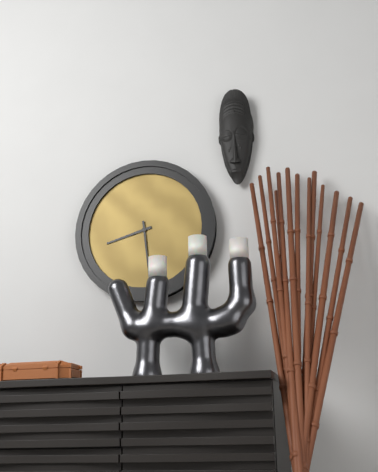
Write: 8:29
